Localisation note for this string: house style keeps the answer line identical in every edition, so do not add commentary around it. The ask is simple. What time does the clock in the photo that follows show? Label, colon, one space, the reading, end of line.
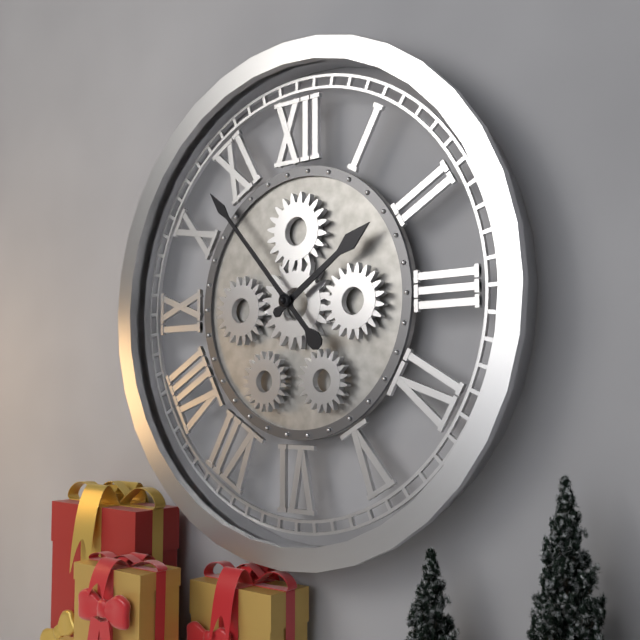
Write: 1:53
